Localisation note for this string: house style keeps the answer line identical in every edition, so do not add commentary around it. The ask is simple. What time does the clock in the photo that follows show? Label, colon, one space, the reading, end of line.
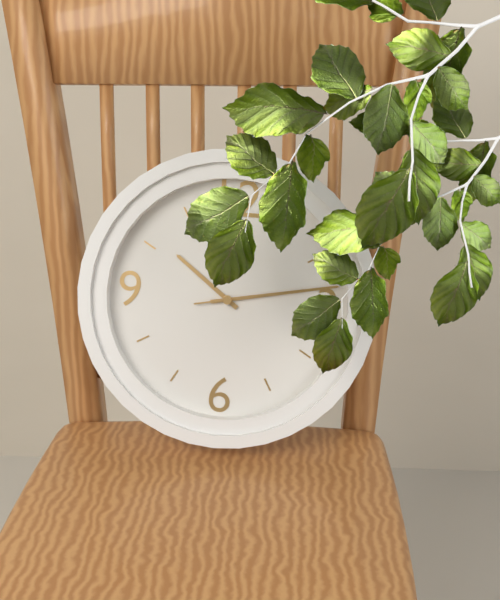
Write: 10:13:13
